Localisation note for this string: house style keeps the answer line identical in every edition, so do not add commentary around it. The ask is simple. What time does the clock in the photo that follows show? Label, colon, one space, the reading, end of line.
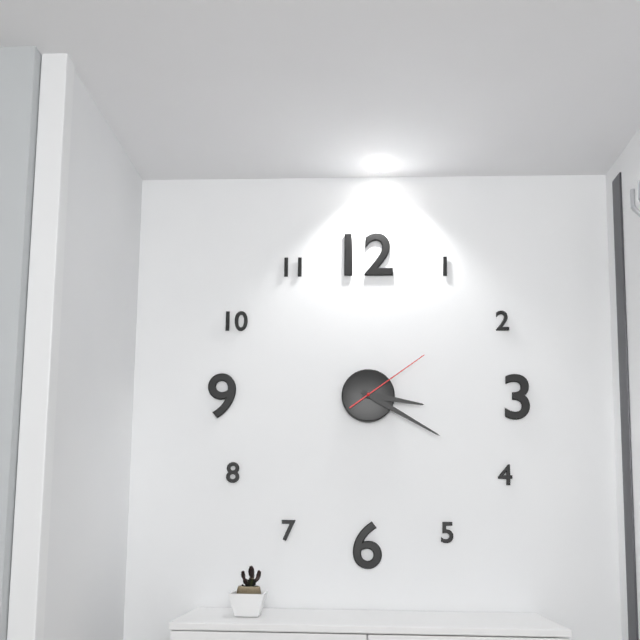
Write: 3:20:09
